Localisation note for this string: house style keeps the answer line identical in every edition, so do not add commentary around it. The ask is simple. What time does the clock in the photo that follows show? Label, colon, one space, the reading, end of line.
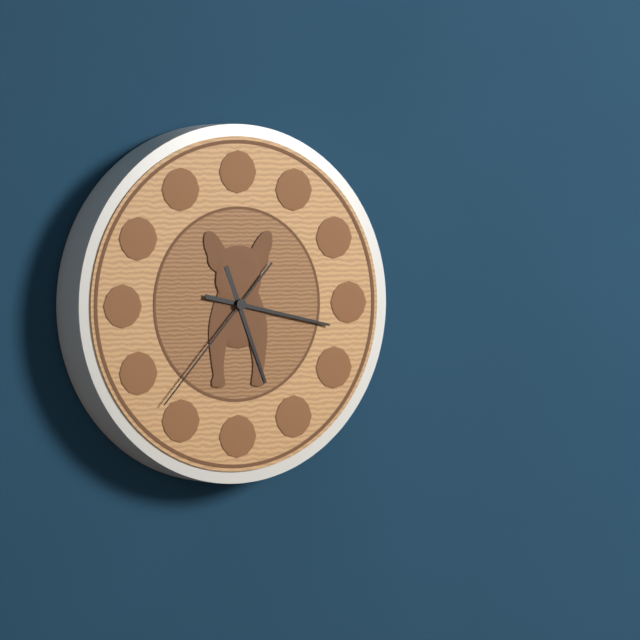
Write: 5:17:37
